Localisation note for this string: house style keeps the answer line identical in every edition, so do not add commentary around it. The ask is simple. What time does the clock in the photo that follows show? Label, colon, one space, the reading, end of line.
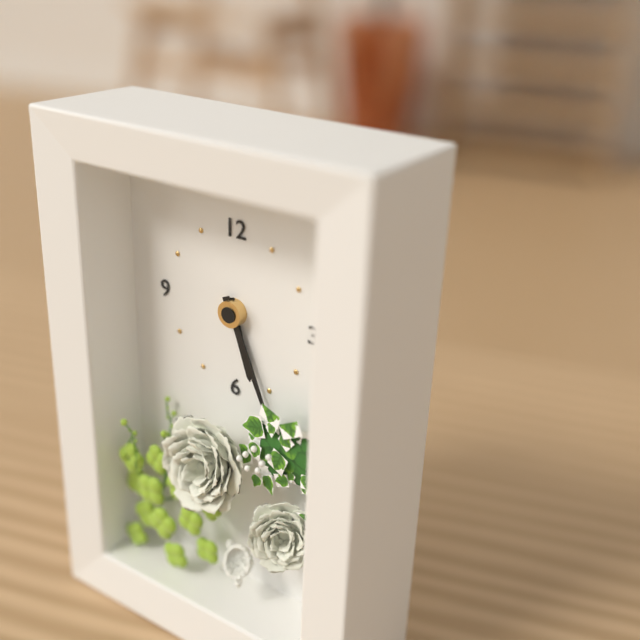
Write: 5:26
